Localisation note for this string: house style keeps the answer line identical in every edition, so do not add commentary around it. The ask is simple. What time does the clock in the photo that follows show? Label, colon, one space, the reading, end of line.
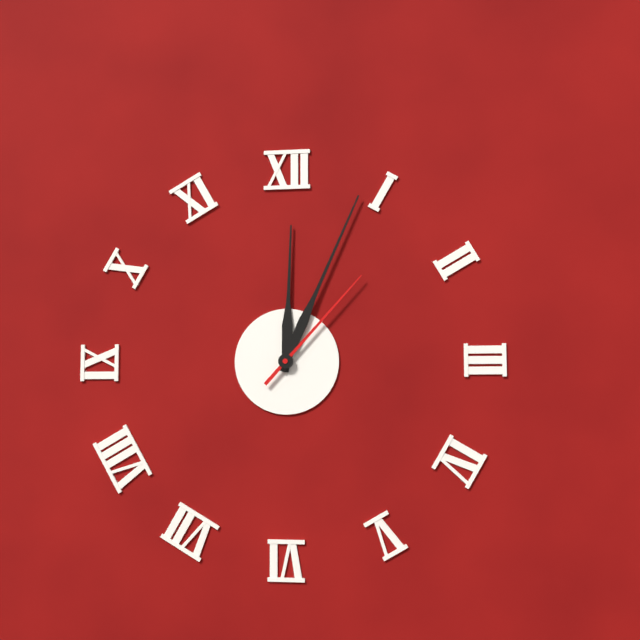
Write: 12:04:07
